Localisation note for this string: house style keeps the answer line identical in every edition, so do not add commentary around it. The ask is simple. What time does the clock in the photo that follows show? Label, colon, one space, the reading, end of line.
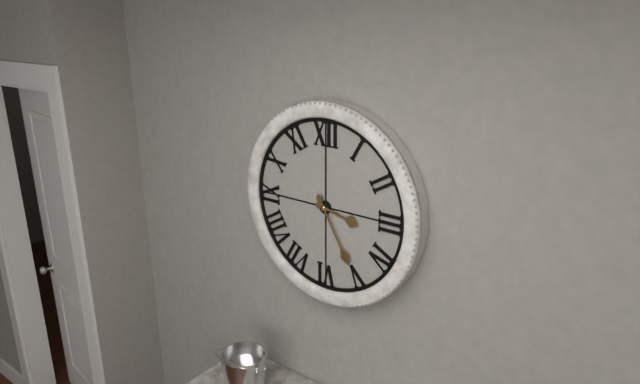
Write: 3:25
